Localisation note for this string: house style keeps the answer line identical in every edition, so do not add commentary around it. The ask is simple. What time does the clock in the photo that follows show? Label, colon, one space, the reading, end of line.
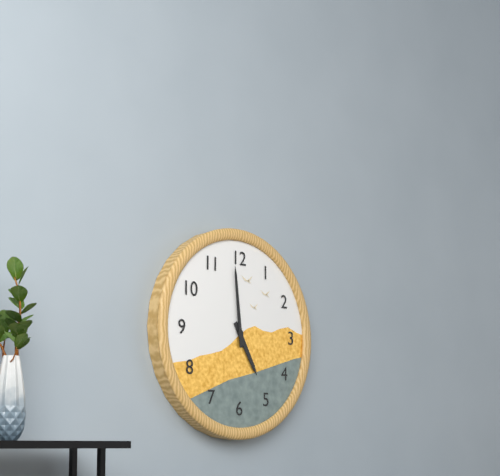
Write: 4:59
